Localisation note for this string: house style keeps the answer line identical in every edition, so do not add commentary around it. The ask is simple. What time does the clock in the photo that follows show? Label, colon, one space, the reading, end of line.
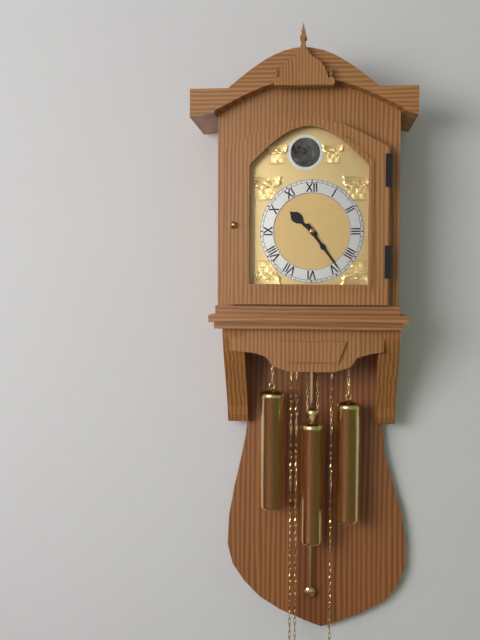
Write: 10:24
